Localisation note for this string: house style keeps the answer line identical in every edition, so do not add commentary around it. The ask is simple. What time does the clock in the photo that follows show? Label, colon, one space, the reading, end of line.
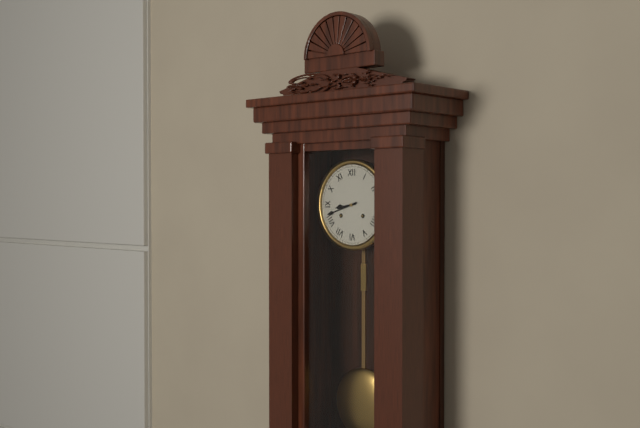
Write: 8:42
